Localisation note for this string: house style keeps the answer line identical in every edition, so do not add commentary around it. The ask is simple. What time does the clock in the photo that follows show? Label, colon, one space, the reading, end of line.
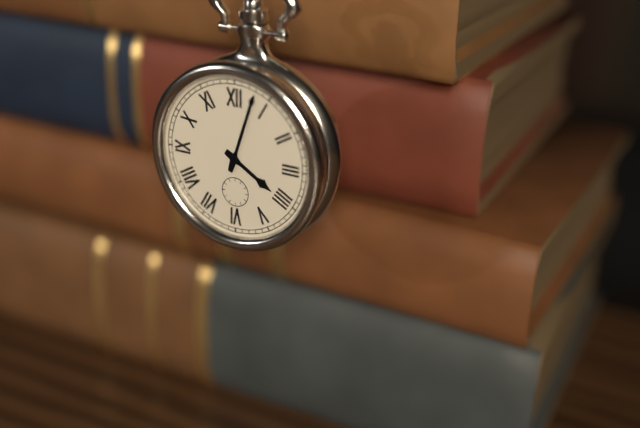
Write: 4:03
